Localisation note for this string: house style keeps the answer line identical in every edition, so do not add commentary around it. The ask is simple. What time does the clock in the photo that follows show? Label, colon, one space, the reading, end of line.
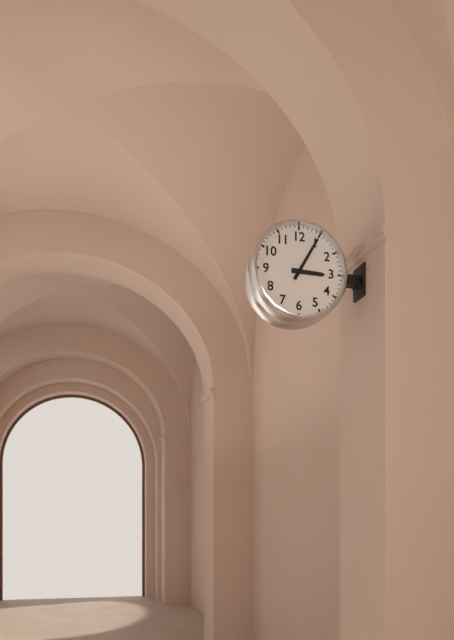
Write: 3:05
